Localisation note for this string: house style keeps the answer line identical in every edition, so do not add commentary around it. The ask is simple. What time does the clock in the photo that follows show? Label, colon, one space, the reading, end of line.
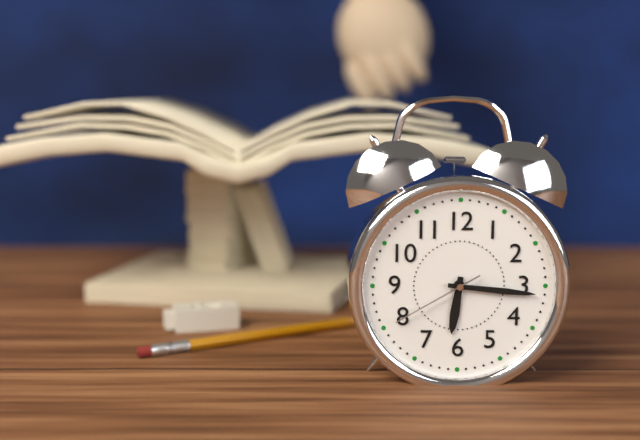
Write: 6:16:40
